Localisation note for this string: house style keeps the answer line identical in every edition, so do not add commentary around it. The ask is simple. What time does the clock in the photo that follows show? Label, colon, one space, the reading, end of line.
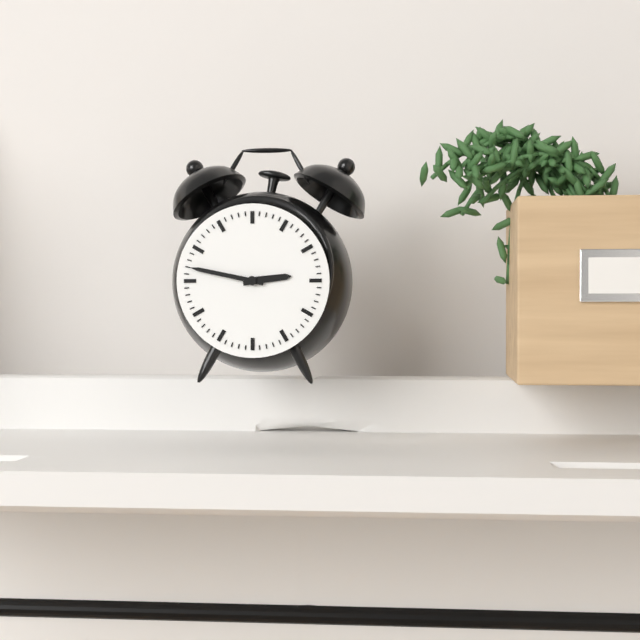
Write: 2:47
